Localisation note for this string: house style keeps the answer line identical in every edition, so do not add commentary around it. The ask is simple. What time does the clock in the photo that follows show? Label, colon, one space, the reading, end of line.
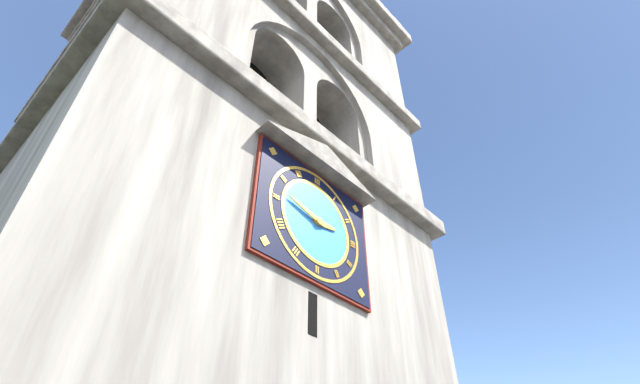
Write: 2:47
